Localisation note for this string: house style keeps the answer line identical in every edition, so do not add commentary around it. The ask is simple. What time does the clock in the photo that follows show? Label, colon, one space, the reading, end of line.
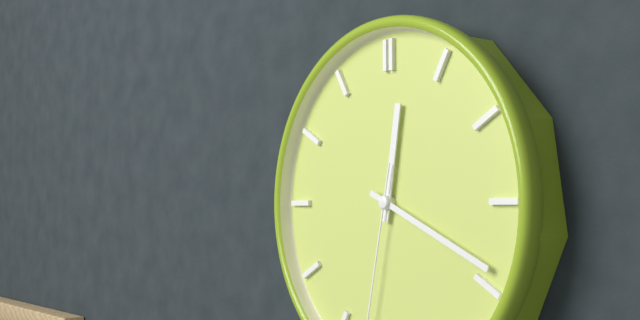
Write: 12:19
